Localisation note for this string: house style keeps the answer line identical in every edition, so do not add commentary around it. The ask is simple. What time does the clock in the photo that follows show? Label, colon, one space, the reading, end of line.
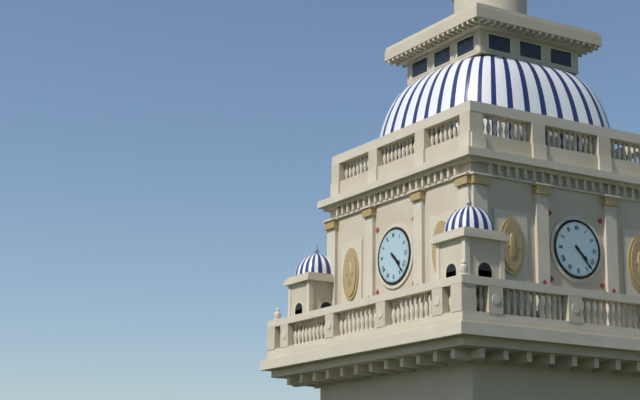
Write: 4:23
